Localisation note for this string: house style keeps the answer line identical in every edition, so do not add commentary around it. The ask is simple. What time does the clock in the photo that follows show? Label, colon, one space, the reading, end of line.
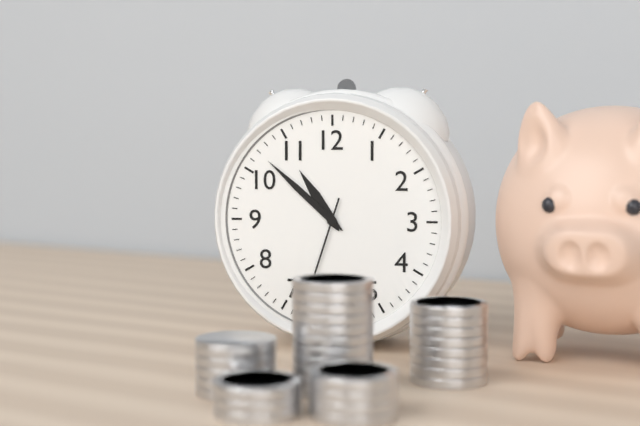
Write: 10:52
